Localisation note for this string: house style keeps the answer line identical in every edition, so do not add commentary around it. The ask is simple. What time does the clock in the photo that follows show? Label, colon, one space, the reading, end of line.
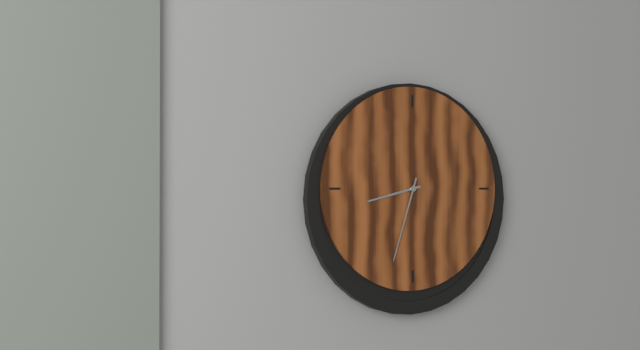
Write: 8:33
